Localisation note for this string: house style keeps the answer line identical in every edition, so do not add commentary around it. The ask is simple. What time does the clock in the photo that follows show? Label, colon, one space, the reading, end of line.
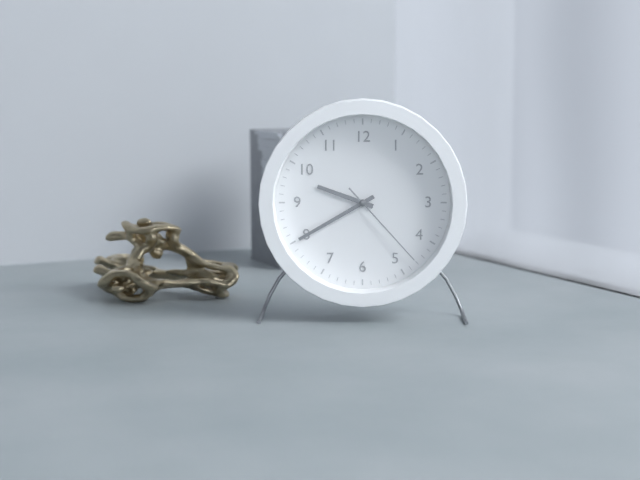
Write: 9:40:23
